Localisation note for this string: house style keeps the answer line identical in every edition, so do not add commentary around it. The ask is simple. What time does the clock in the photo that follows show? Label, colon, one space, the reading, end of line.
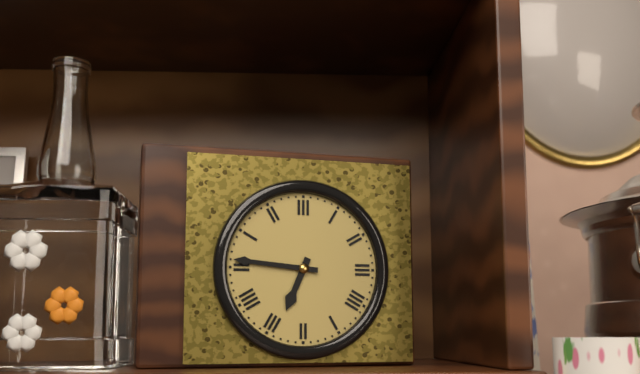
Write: 6:46
